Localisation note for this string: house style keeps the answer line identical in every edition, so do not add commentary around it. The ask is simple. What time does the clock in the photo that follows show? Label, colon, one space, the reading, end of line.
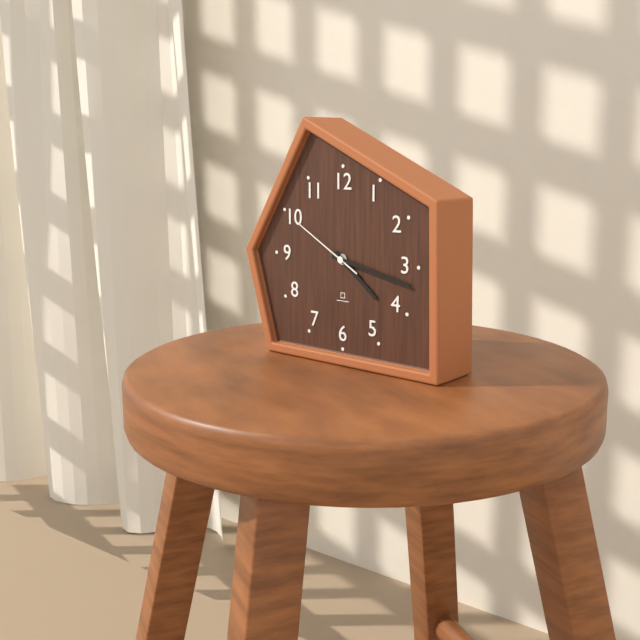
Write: 4:17:50
